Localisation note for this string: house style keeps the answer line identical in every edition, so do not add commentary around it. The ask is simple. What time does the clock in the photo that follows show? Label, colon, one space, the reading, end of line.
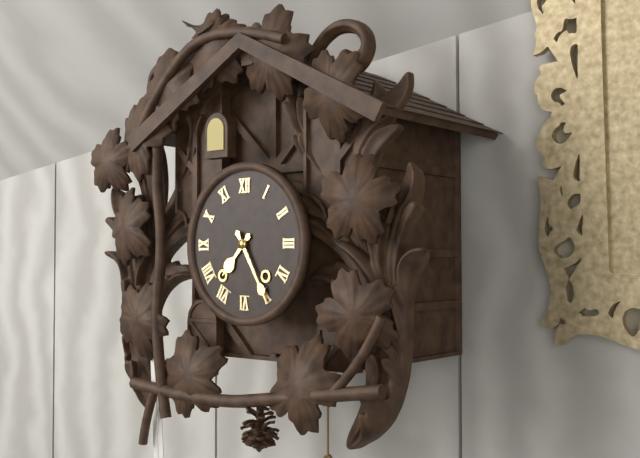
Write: 7:25
